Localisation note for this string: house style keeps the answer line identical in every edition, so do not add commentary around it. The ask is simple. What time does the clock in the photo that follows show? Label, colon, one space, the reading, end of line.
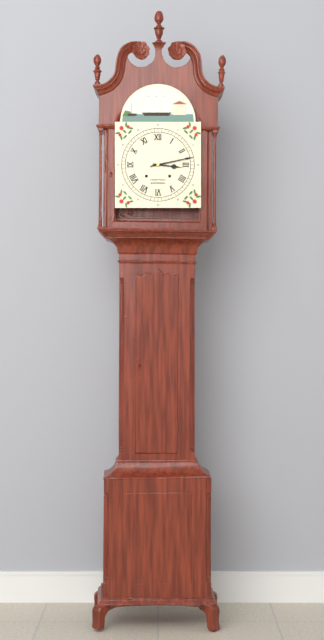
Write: 3:13
